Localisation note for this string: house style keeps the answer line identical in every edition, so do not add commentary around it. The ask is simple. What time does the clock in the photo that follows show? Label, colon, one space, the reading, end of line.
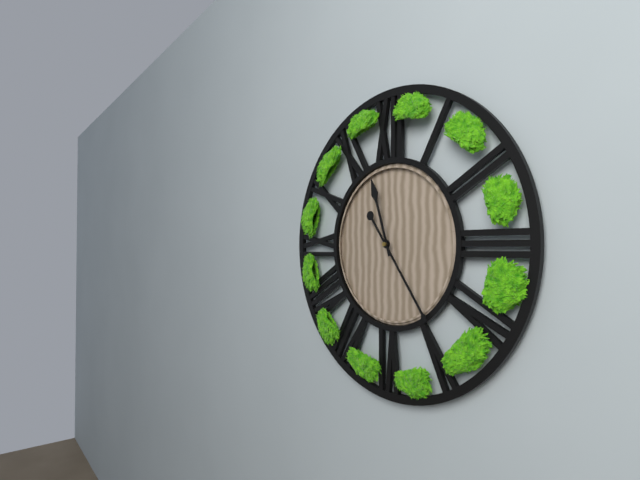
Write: 11:24
